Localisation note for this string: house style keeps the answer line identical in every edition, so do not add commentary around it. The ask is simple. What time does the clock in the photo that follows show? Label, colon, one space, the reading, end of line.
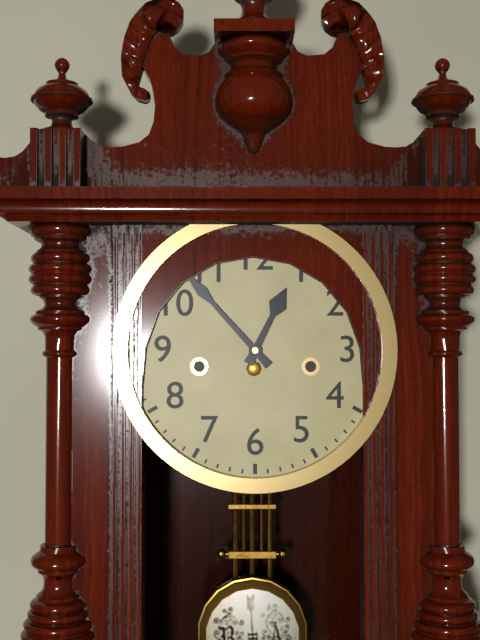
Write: 12:53
